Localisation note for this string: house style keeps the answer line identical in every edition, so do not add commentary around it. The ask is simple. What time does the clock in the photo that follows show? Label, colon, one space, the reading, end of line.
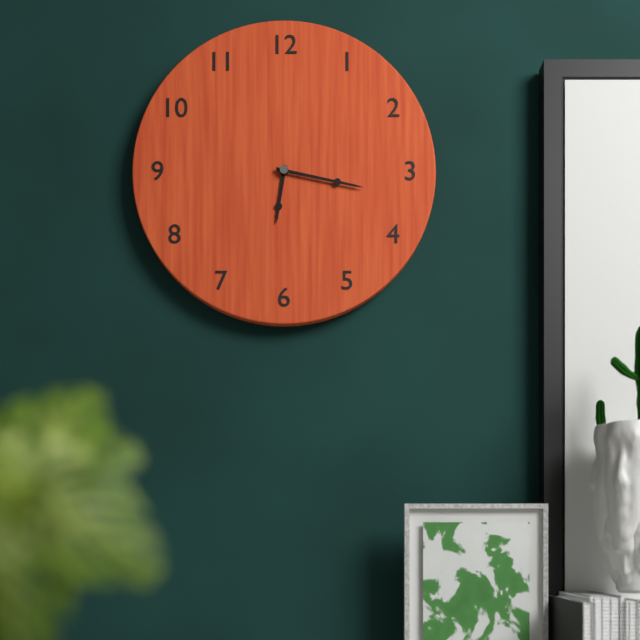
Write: 6:17
